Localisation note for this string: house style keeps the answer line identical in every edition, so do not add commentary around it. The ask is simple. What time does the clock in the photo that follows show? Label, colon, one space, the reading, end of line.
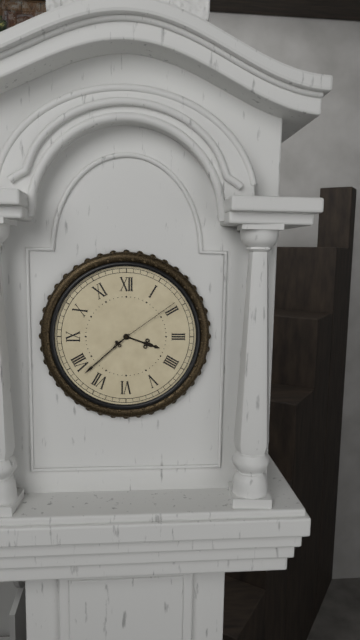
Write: 3:38:09
